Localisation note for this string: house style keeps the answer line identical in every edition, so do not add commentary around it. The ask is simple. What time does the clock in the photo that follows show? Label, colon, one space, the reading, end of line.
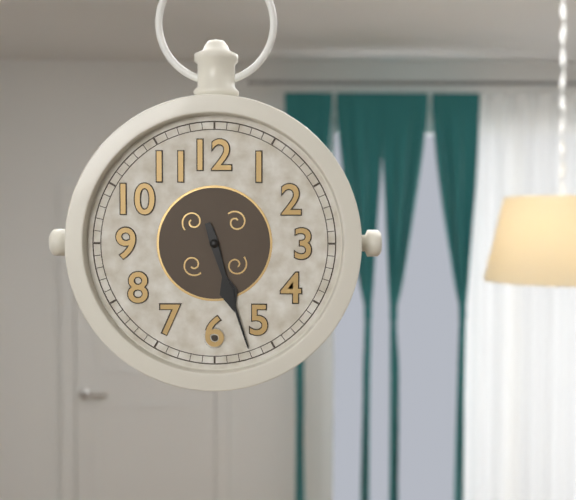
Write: 5:27
